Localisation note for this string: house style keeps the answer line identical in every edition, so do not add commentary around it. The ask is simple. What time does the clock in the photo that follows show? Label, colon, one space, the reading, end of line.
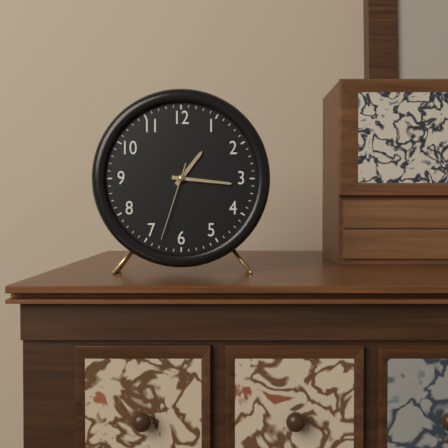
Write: 1:16:33
